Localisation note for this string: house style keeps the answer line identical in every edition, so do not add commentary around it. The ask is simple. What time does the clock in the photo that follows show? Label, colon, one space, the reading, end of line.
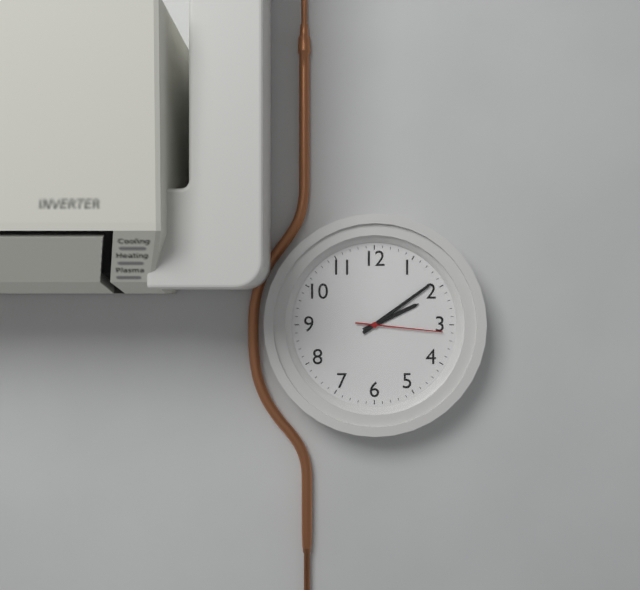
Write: 2:09:16
